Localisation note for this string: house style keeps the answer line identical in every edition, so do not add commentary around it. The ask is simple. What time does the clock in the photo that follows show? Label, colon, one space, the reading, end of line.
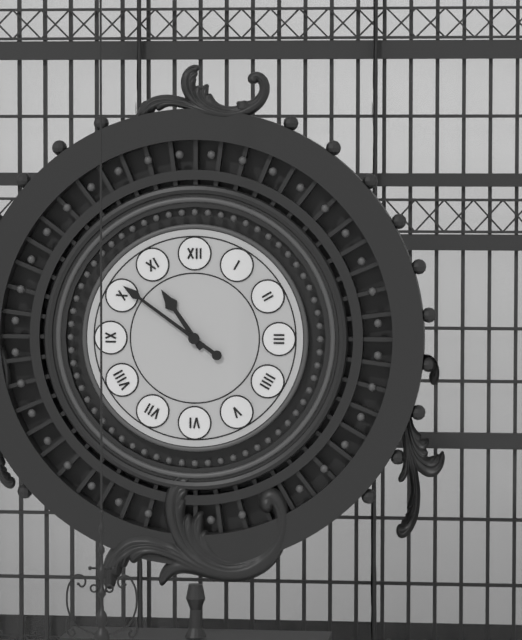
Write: 10:51
